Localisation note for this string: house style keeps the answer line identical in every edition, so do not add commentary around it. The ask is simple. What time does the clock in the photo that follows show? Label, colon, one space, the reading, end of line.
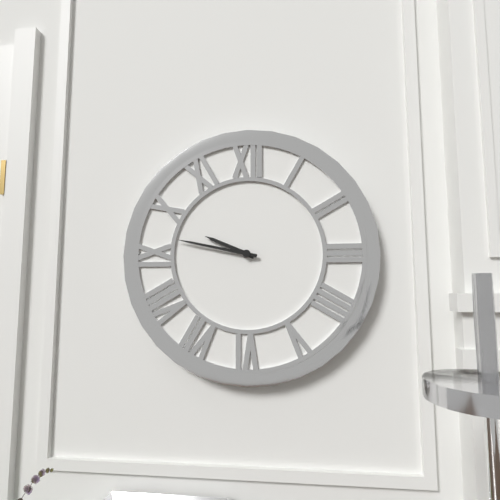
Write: 9:47
